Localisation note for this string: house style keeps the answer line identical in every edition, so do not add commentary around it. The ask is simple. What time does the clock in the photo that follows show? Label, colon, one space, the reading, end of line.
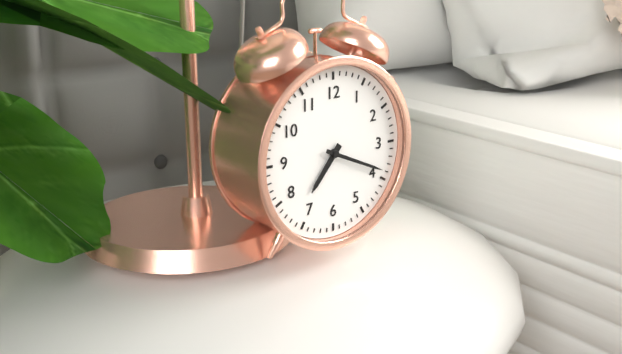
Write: 7:19
